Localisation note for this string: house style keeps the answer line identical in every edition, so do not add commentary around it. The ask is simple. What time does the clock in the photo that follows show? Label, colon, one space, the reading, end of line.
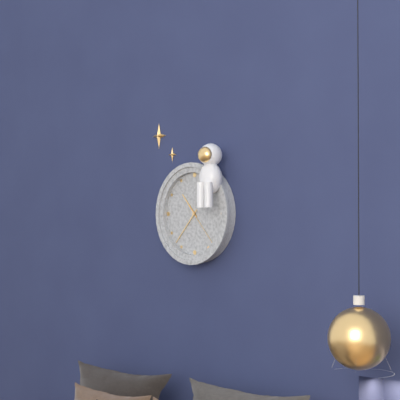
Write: 10:37
